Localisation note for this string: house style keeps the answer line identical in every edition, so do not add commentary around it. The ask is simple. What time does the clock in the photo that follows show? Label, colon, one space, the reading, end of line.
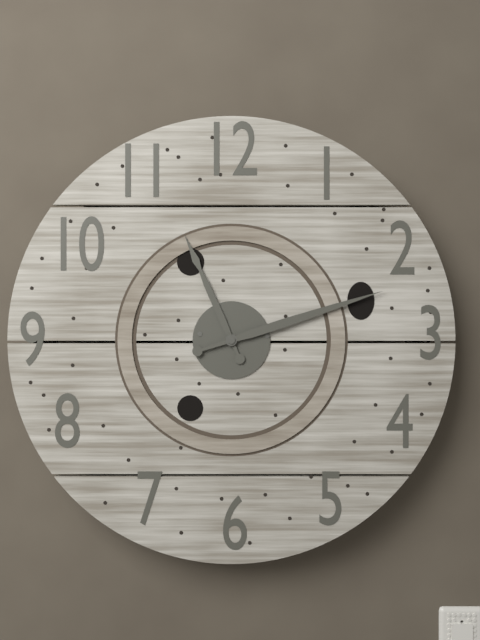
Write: 11:12
